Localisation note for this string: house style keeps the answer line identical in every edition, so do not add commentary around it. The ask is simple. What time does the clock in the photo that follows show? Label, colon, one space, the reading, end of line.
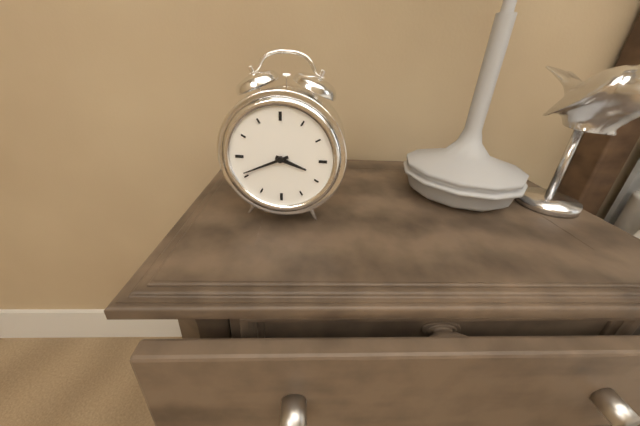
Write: 3:41
